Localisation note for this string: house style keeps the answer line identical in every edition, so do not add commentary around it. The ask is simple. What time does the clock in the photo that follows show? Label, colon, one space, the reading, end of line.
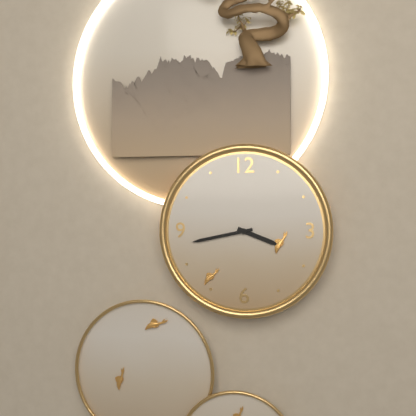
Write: 3:43
